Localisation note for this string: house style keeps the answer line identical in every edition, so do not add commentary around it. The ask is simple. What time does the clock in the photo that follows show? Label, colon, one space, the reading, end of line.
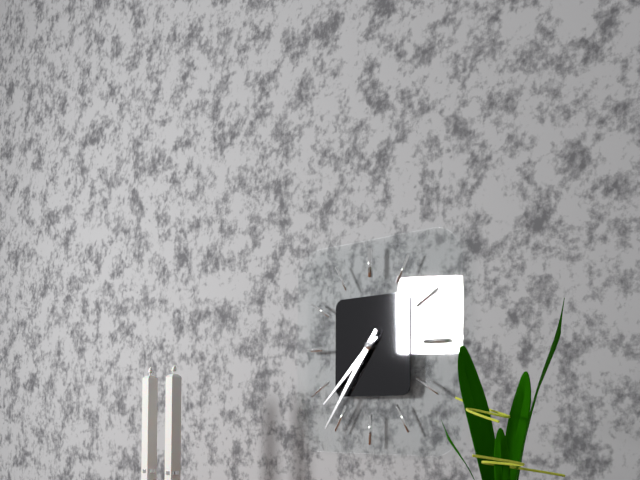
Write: 7:36
